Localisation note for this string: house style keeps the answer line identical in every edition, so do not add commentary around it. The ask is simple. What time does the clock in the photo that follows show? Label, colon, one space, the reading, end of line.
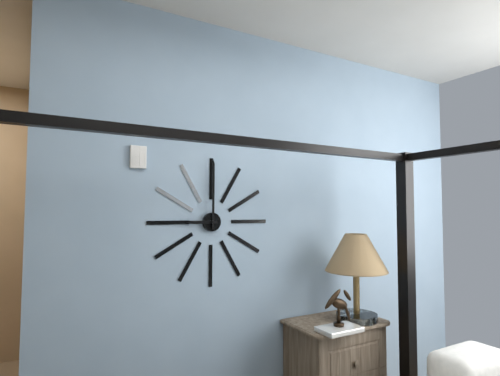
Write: 9:00
